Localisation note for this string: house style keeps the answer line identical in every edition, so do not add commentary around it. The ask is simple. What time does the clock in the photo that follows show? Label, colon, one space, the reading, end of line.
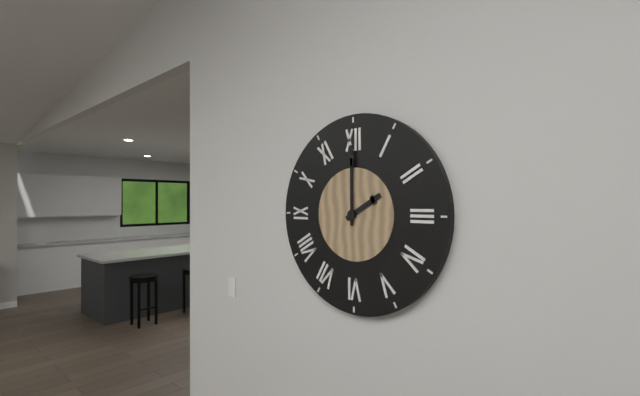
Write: 2:00
